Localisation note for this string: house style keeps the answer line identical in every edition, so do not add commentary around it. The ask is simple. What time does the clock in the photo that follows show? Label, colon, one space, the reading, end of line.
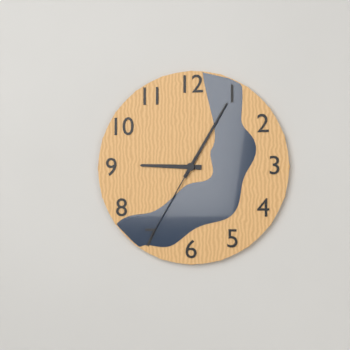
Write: 9:05:35
